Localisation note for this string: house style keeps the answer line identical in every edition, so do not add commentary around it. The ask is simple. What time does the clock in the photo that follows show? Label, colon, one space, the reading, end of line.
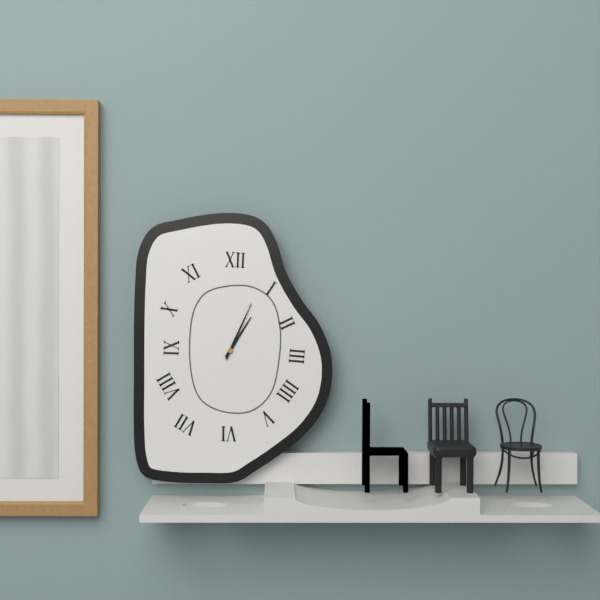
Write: 1:04
